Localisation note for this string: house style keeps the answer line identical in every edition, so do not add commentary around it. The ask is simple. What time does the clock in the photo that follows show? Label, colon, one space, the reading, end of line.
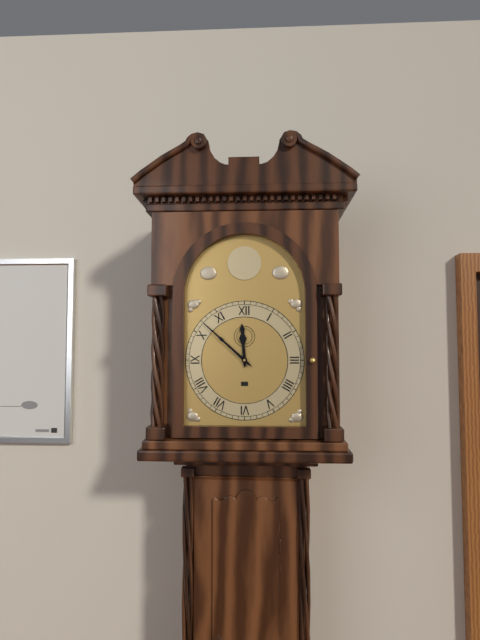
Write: 11:52
